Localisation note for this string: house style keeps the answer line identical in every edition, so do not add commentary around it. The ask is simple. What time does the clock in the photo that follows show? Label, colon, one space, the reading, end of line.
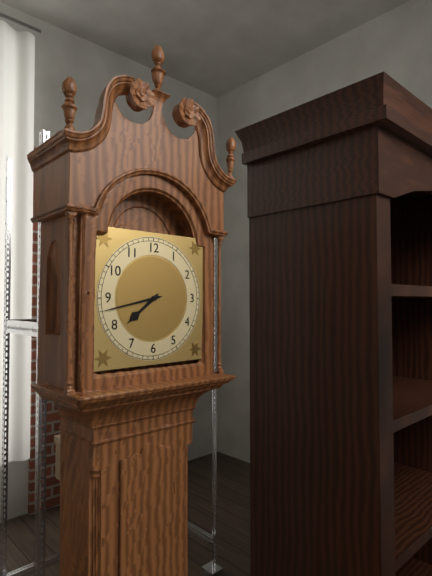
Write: 7:43
